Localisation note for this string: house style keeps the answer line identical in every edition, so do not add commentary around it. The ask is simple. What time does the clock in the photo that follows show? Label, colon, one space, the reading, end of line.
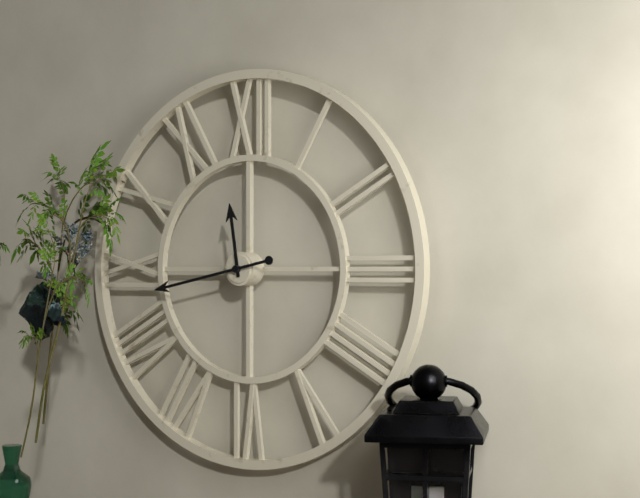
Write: 11:43
